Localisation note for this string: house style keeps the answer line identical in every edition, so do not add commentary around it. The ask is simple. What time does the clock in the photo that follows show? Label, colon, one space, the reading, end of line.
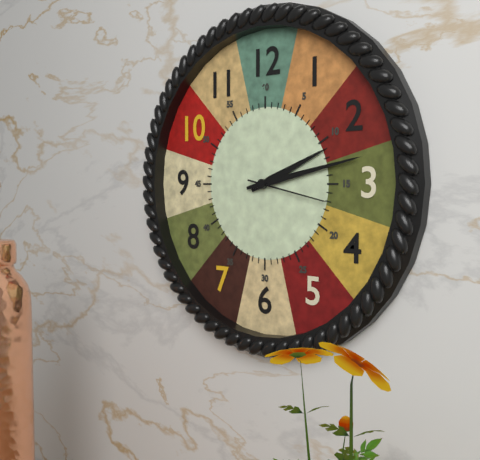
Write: 2:13:17
